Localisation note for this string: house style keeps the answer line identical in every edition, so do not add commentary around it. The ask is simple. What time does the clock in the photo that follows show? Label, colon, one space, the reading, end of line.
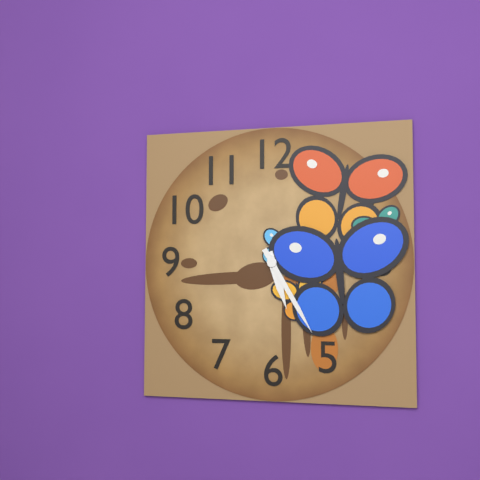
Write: 5:25
